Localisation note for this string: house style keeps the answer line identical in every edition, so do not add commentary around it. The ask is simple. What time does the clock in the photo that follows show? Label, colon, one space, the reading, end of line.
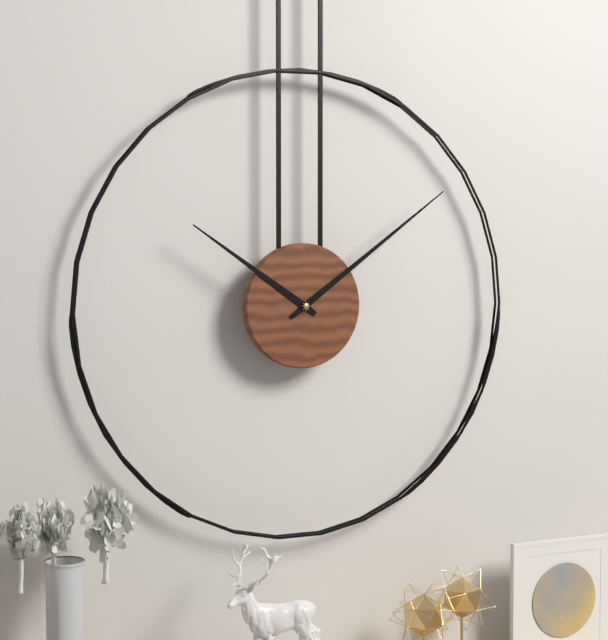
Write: 10:09
